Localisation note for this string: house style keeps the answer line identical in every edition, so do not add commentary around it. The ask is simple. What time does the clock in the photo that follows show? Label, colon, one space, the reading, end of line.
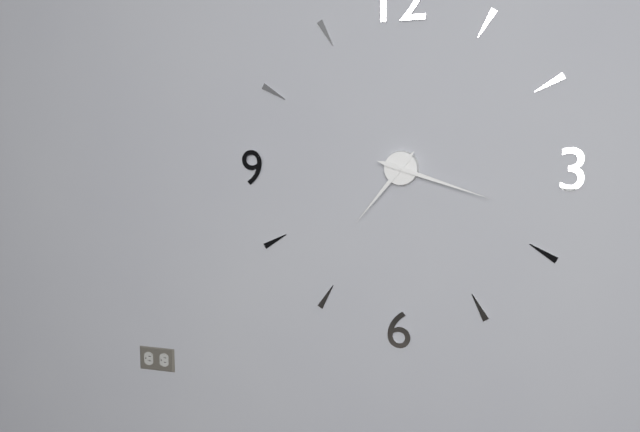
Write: 7:18
